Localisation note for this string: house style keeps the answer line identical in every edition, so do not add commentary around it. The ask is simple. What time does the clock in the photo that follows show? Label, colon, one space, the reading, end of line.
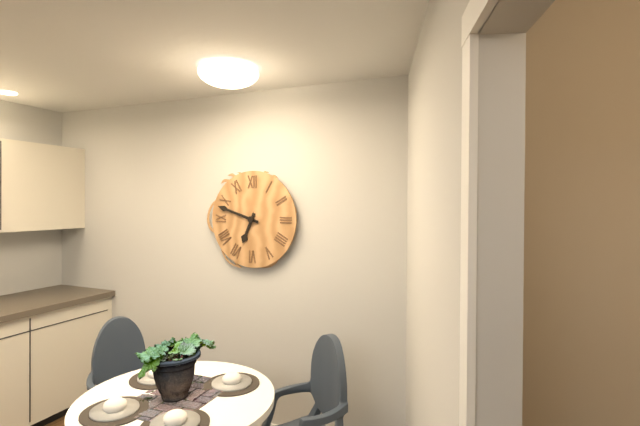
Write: 6:48
